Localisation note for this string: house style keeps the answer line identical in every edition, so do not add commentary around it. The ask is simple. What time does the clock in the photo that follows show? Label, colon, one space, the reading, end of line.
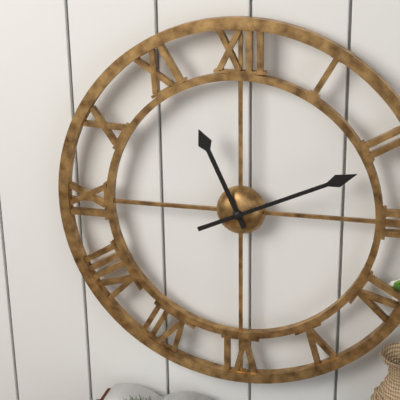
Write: 11:11
